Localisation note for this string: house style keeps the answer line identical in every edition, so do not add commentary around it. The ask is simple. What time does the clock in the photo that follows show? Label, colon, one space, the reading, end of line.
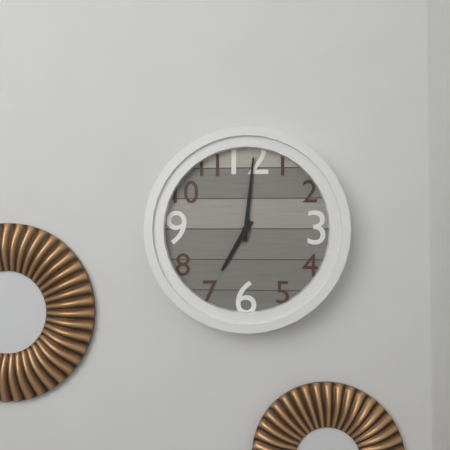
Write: 7:01
